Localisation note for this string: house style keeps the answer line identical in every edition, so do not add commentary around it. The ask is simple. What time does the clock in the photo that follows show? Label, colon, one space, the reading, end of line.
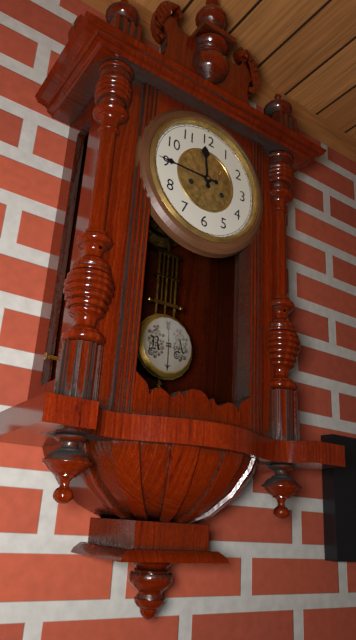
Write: 11:45
